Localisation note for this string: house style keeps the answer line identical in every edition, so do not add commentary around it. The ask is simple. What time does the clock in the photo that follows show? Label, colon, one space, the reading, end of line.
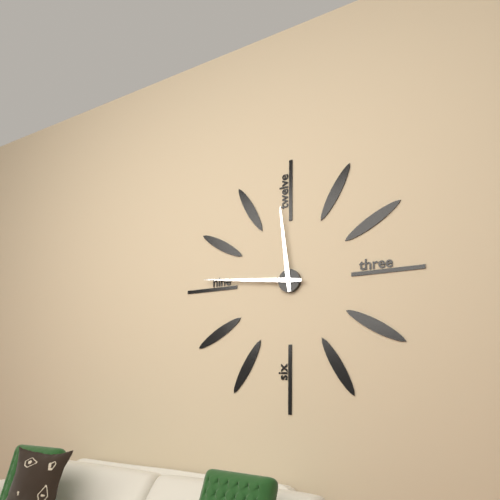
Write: 11:46
